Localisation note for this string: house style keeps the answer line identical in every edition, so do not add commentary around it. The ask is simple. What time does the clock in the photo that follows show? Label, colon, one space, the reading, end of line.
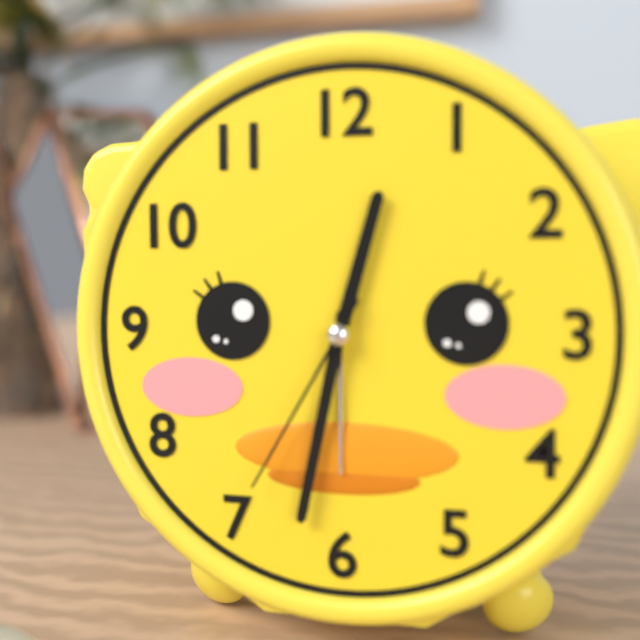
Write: 12:32:35
